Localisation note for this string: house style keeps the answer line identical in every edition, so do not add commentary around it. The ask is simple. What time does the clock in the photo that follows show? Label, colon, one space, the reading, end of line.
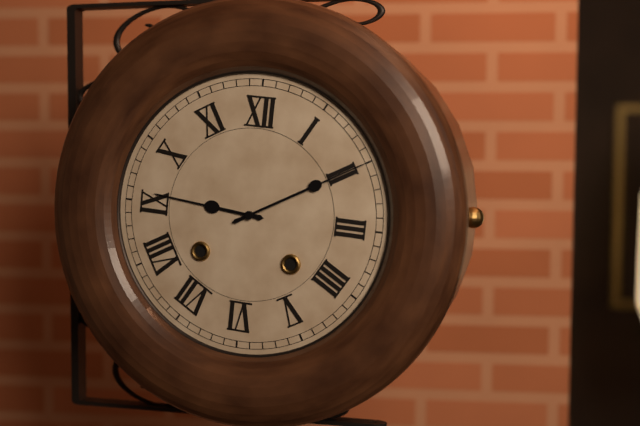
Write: 9:10
